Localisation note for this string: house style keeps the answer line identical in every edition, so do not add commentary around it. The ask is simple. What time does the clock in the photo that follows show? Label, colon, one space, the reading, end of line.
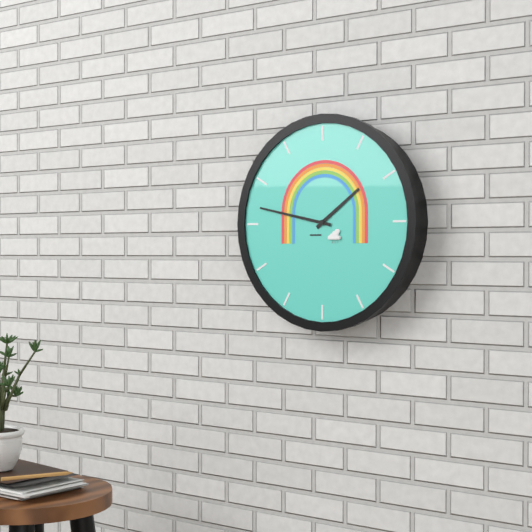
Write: 1:47
